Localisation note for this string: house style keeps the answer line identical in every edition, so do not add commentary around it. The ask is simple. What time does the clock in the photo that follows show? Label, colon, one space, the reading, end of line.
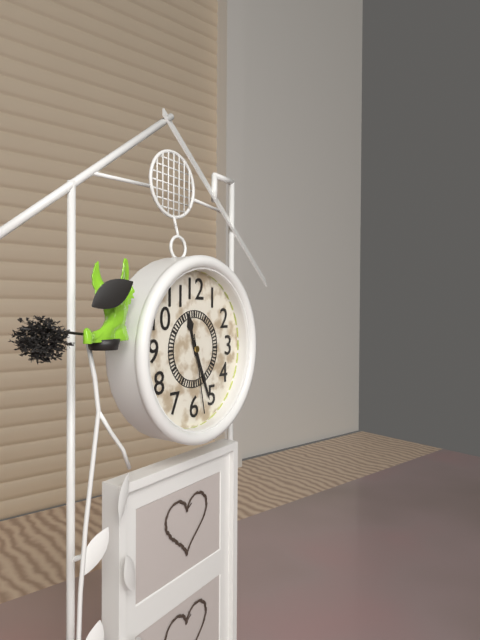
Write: 11:26:28
